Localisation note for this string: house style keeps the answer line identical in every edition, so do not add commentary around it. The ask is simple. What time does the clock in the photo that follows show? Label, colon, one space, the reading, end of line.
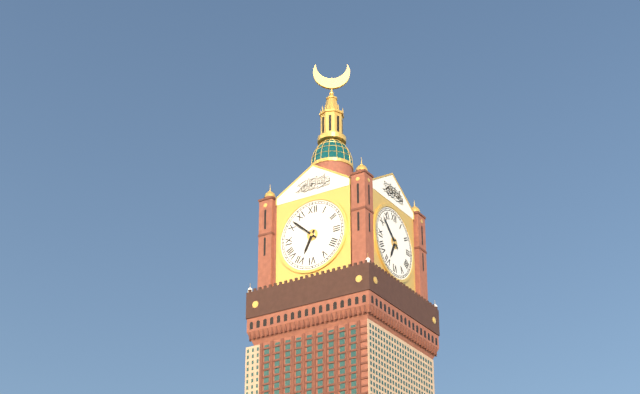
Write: 6:52
